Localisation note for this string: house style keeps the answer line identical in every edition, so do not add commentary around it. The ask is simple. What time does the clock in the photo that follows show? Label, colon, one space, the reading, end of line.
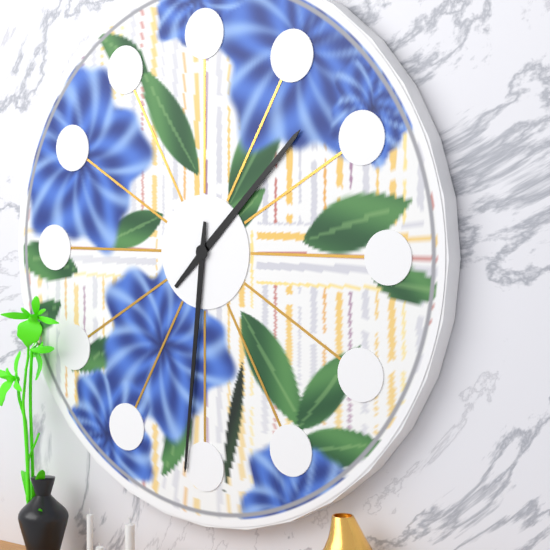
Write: 1:31
